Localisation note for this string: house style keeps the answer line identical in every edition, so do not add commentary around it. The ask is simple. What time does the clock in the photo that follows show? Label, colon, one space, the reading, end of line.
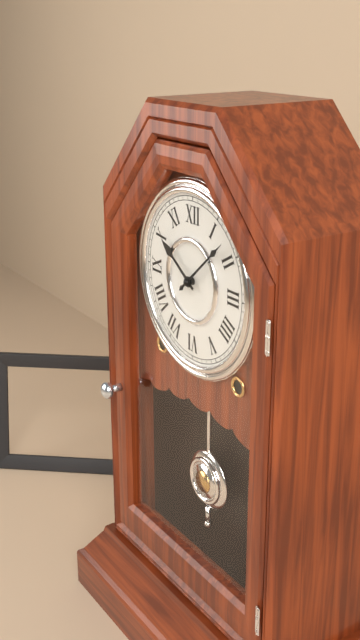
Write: 10:08
